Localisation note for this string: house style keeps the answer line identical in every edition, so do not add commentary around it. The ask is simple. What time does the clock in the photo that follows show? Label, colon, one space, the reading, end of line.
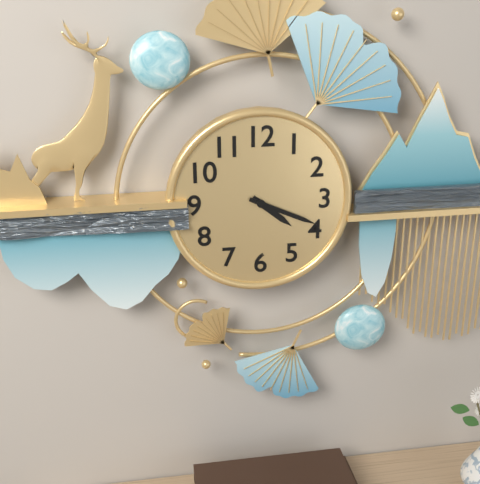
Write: 4:19
